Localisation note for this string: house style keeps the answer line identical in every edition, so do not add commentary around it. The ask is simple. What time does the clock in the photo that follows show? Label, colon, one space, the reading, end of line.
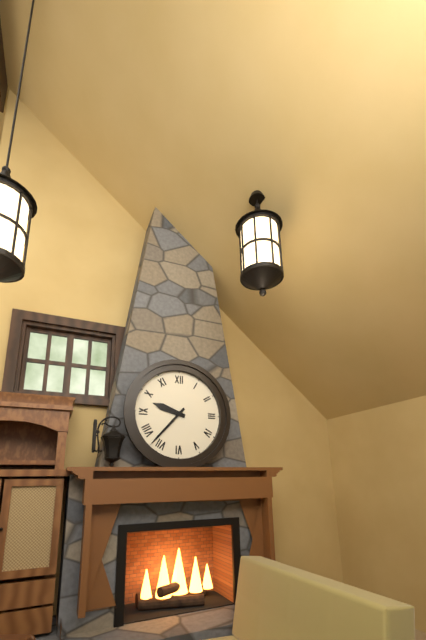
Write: 9:37
